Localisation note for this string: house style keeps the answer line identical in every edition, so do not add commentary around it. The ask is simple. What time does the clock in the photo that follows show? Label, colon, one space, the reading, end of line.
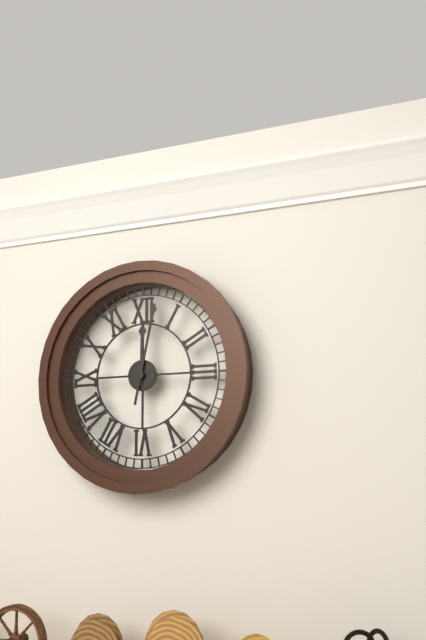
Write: 12:02
